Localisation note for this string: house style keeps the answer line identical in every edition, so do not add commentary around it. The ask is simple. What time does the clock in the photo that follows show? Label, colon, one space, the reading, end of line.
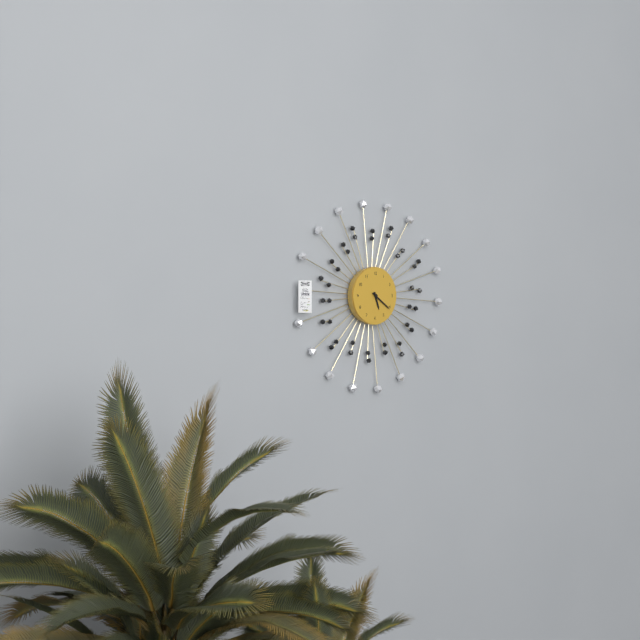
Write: 5:21
